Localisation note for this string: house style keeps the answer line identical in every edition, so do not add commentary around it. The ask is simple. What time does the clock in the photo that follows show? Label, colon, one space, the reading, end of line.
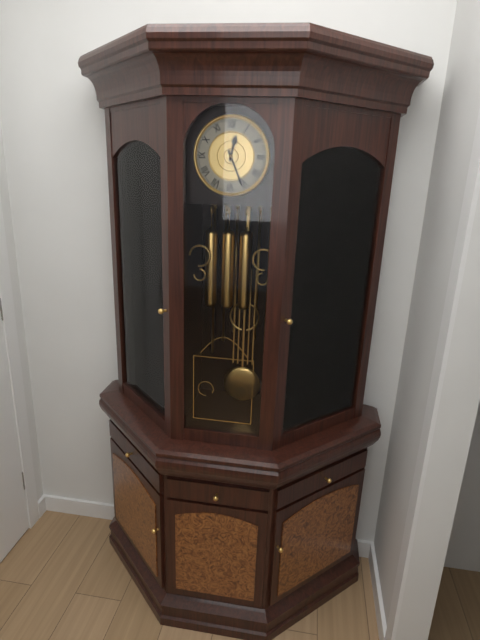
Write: 12:26
